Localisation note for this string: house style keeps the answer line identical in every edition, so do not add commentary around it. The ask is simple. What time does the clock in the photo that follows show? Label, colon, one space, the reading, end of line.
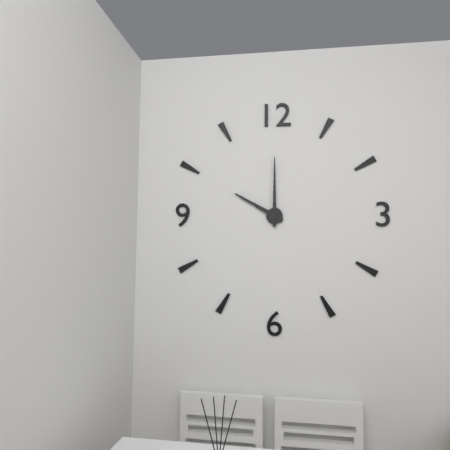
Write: 10:00
